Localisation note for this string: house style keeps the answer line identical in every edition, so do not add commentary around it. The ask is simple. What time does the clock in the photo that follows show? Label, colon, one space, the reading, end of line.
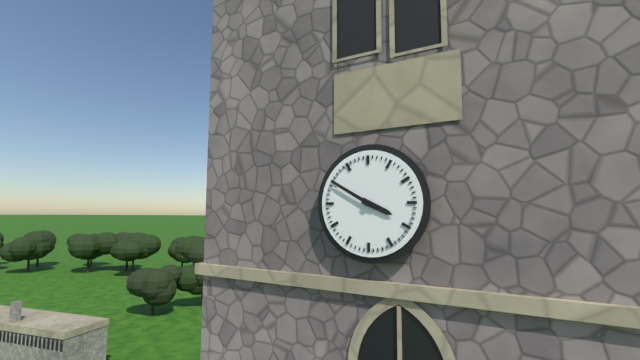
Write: 3:50
